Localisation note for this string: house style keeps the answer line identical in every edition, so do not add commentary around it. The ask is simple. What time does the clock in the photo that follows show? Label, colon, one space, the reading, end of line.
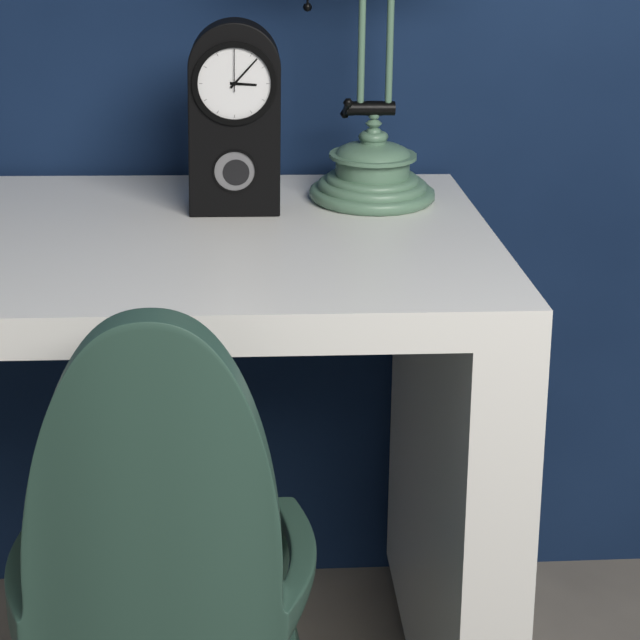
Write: 3:07
